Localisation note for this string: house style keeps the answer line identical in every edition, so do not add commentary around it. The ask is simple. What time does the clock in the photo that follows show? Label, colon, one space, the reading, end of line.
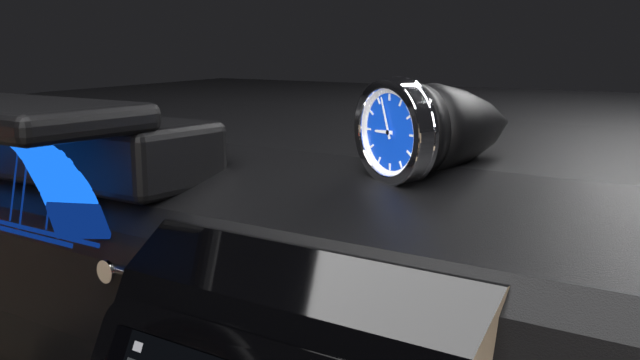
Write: 8:57
